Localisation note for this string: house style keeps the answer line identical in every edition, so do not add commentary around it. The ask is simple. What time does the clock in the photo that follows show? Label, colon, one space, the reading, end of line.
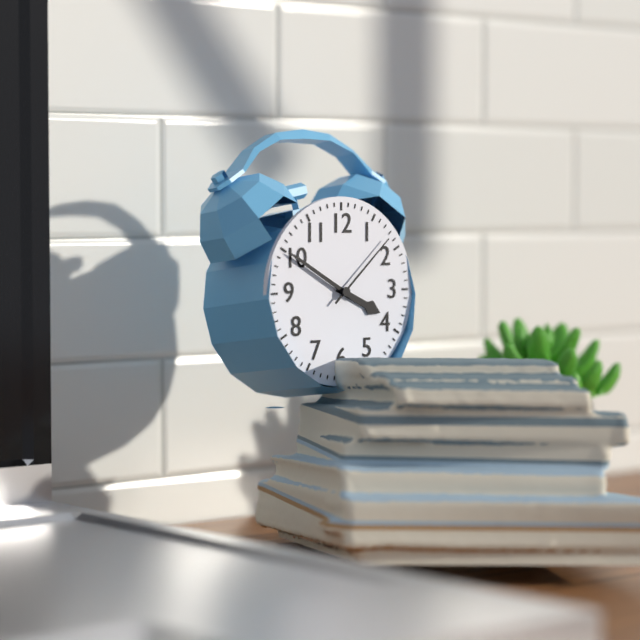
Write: 3:50:08
